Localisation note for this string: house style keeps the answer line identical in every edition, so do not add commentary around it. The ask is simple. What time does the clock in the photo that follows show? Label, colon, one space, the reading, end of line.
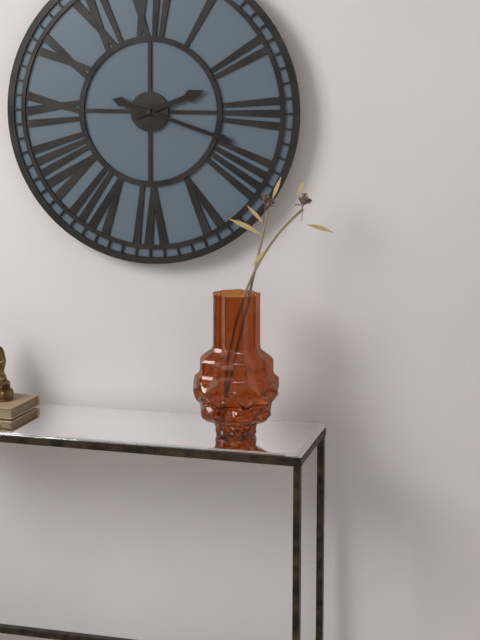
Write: 2:18
